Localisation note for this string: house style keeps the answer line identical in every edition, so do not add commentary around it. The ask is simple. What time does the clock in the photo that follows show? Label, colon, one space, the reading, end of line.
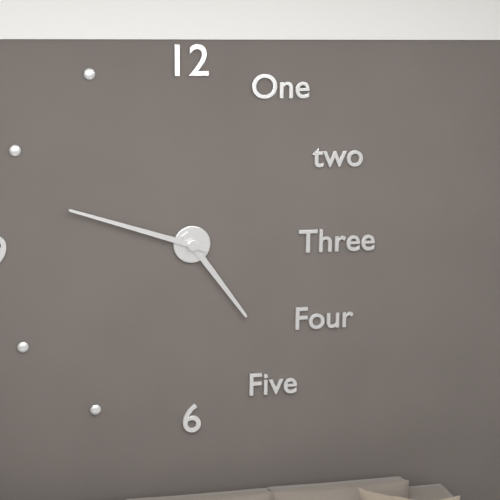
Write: 4:48
